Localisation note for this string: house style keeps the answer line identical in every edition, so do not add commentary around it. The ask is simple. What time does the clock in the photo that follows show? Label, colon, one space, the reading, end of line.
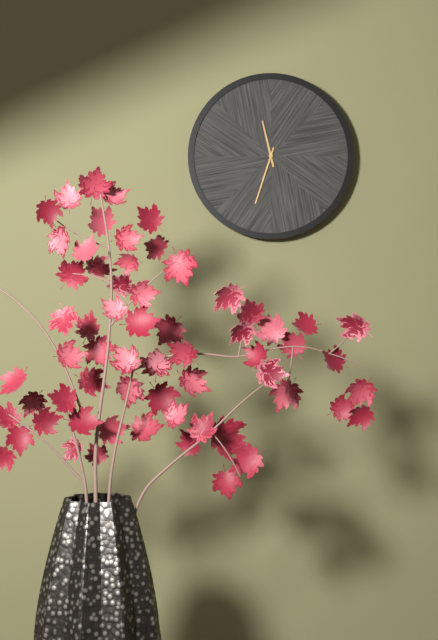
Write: 11:33
